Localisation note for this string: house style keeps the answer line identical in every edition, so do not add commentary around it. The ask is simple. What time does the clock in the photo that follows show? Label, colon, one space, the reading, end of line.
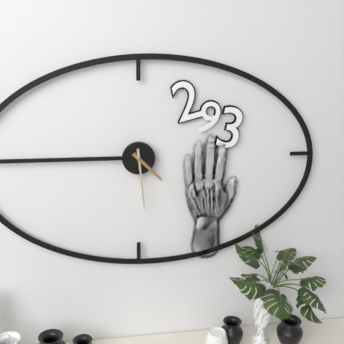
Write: 4:29
